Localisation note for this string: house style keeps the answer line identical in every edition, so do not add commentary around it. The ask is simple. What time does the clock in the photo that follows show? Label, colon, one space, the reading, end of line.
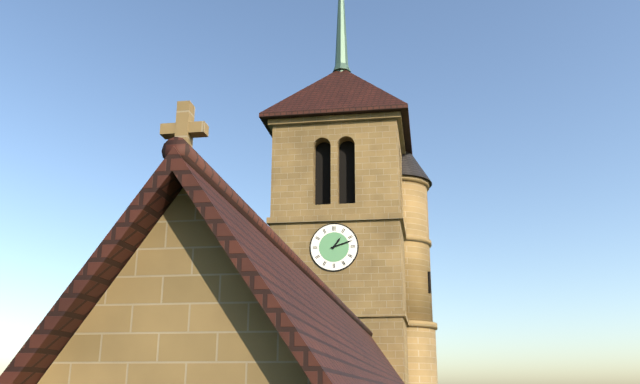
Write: 1:12
